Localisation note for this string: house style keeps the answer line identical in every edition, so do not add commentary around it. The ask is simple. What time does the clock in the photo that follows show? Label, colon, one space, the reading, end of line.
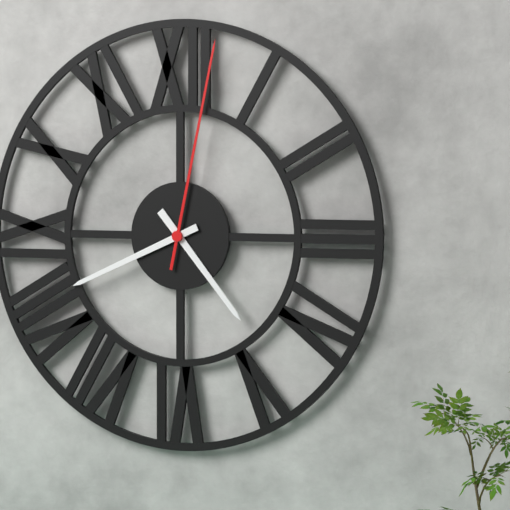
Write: 4:41:02
